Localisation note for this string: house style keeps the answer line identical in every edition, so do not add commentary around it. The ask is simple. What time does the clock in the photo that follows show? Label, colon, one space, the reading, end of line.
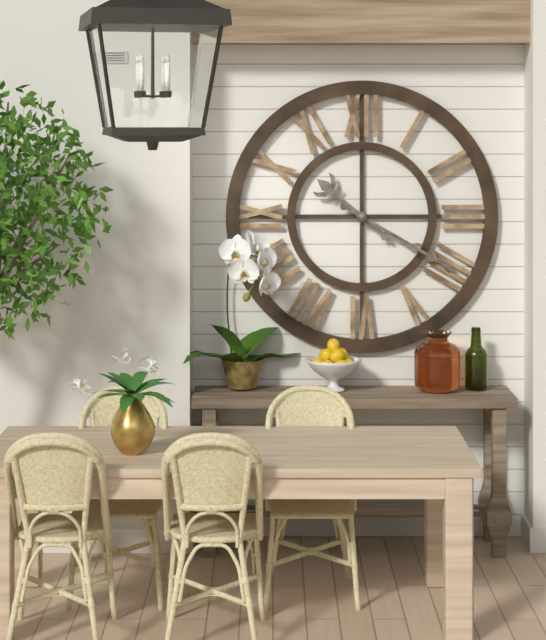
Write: 10:20
